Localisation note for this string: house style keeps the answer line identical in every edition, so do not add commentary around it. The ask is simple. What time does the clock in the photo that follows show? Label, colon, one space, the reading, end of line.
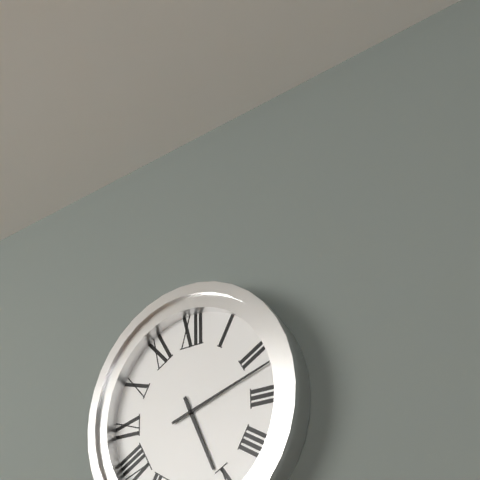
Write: 5:12
